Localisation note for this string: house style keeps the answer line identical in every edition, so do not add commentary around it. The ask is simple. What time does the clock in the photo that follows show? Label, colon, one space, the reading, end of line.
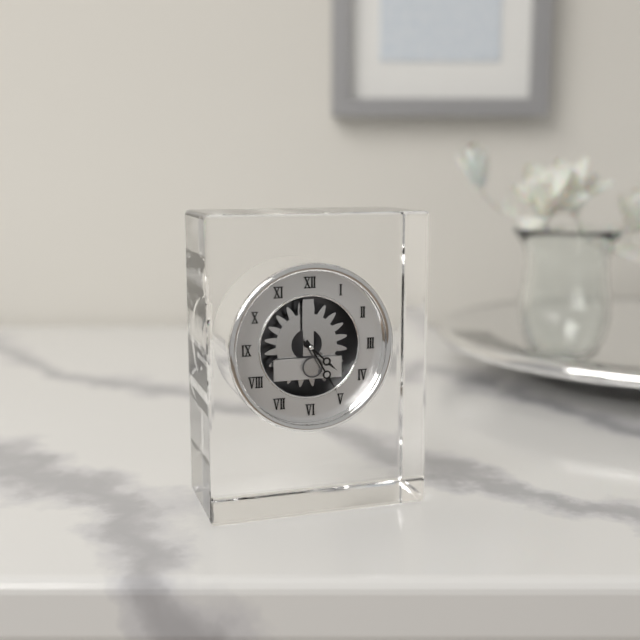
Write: 4:25
